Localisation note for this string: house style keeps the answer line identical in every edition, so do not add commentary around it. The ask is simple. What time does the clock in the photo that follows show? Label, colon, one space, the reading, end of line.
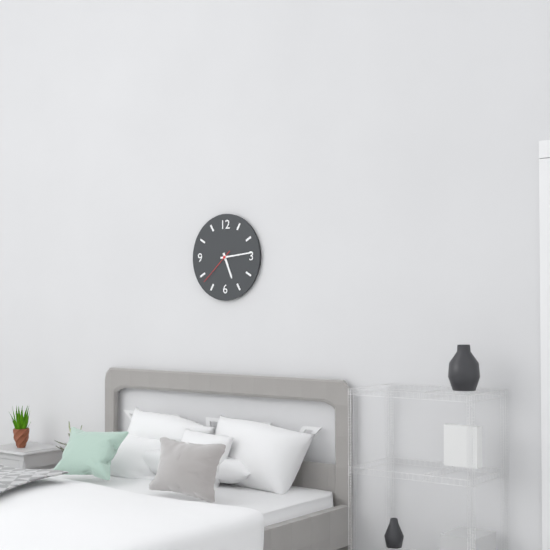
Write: 5:14
